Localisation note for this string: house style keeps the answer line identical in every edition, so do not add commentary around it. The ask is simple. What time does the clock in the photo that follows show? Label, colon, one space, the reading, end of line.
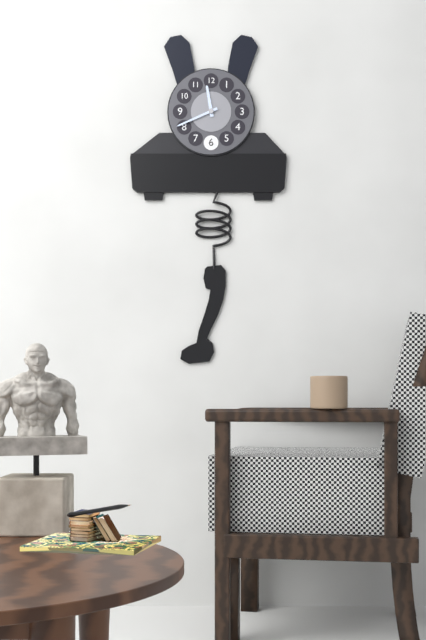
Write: 11:41
